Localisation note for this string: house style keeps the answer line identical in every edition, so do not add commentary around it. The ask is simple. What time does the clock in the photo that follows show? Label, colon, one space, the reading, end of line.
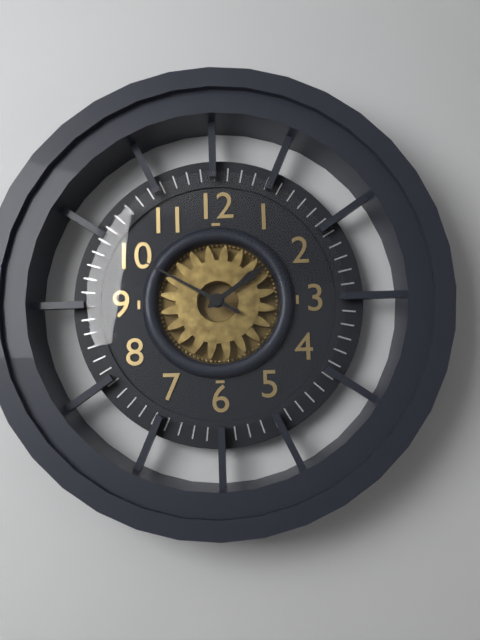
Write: 1:50
